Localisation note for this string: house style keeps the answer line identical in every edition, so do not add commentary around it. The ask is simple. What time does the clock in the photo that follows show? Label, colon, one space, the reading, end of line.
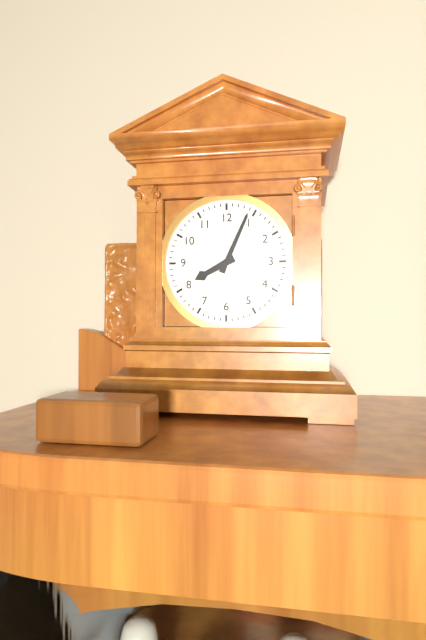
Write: 8:04
